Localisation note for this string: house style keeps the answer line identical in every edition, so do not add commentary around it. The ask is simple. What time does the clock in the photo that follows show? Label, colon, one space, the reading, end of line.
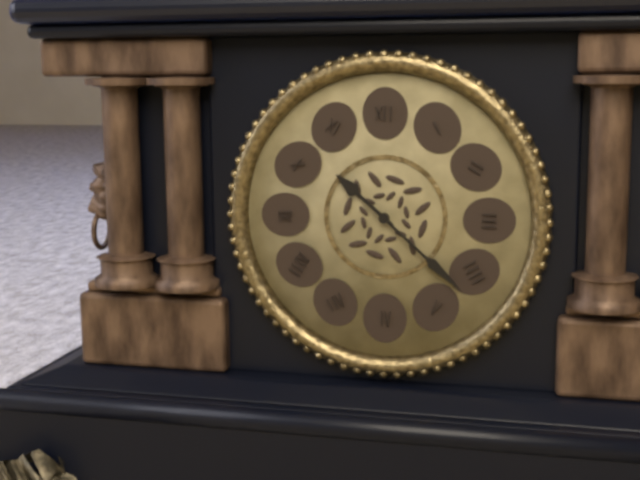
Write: 10:22
